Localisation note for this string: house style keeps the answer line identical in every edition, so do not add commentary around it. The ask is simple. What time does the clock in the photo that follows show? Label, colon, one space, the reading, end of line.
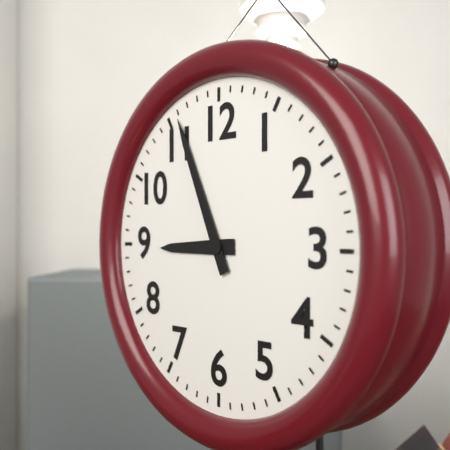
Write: 8:56
